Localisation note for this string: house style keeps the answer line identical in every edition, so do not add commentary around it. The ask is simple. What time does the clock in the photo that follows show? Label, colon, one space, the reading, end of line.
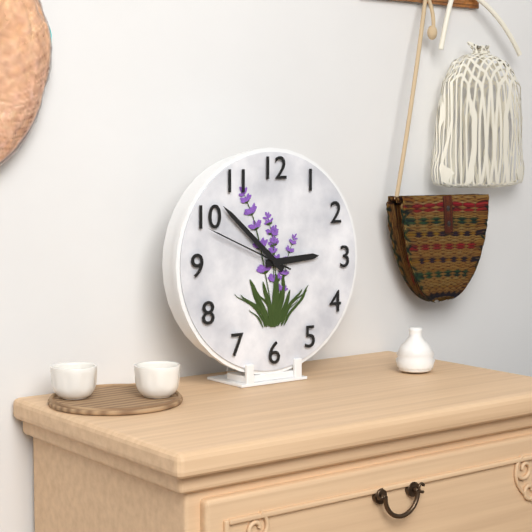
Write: 2:52:49
